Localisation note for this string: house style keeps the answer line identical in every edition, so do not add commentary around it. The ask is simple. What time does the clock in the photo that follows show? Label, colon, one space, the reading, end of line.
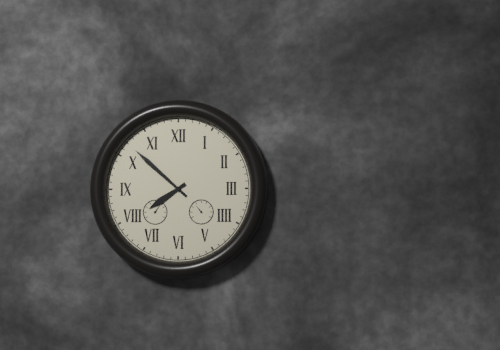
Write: 7:52
